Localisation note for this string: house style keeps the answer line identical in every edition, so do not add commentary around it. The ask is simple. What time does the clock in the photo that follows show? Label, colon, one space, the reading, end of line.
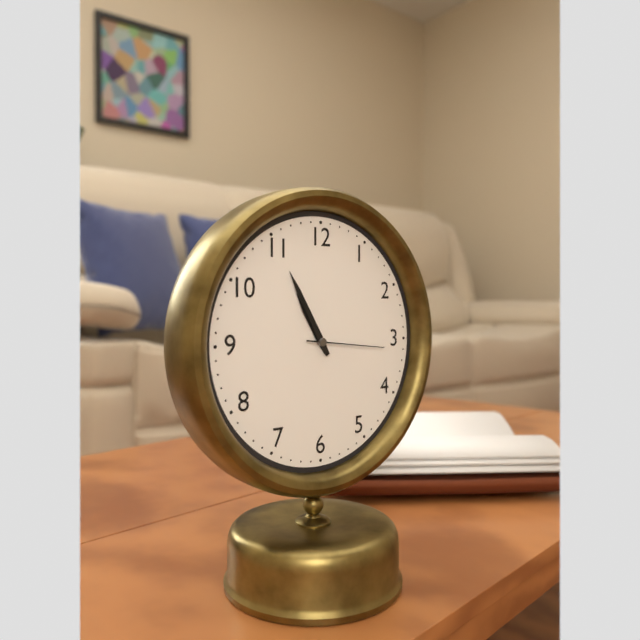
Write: 10:55:16
